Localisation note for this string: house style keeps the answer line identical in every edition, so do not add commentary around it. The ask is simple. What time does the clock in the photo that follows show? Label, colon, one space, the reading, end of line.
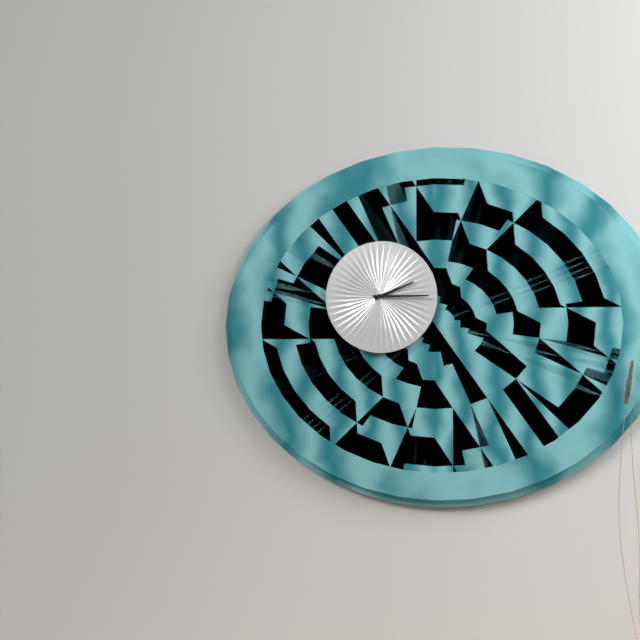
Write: 2:15
